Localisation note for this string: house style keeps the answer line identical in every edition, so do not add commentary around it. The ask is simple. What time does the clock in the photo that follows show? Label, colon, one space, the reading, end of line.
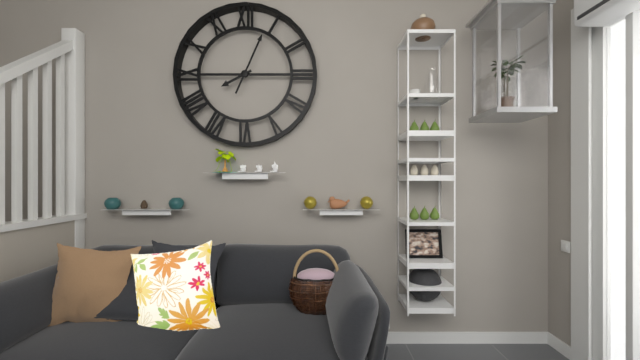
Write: 8:04
